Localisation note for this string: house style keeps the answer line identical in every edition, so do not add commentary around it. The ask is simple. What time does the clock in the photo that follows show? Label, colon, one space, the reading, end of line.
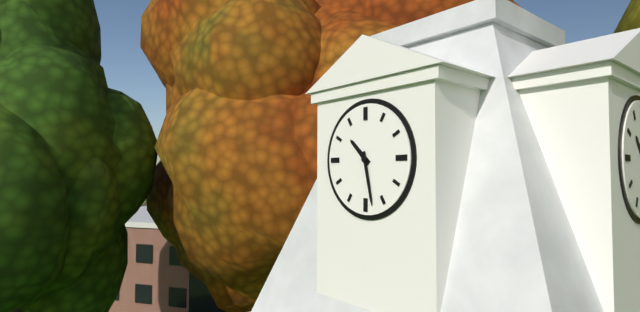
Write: 10:28
